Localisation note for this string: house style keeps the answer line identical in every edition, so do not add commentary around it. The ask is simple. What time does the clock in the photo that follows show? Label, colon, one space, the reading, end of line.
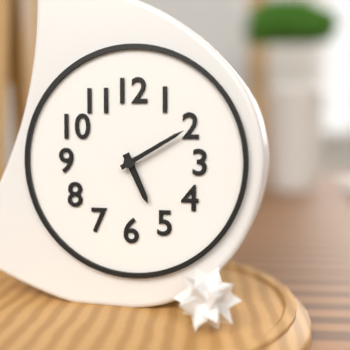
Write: 5:10
